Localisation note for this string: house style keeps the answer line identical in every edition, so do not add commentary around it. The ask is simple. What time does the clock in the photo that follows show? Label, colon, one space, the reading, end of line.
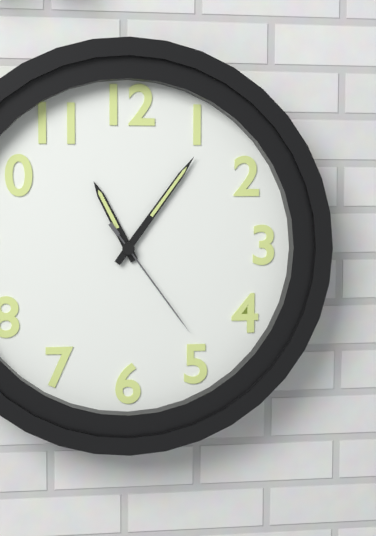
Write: 11:06:24
